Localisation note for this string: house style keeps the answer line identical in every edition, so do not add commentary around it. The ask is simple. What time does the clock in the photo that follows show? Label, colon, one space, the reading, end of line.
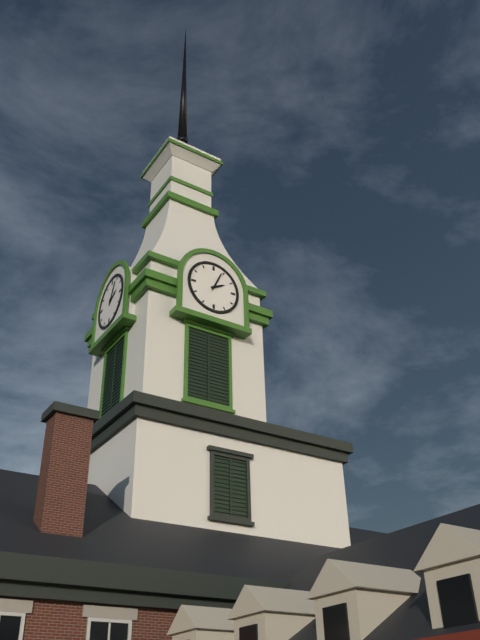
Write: 2:04
